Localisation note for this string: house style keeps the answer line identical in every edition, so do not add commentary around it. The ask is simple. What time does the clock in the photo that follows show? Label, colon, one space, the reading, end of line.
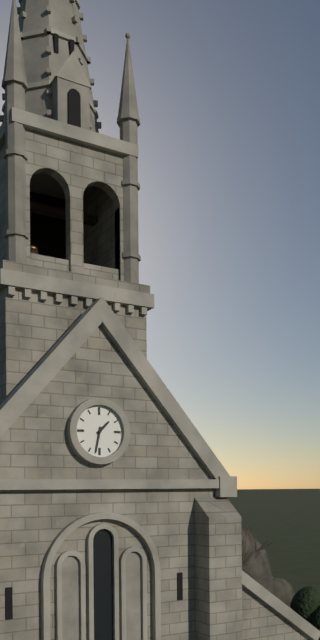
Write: 1:32
